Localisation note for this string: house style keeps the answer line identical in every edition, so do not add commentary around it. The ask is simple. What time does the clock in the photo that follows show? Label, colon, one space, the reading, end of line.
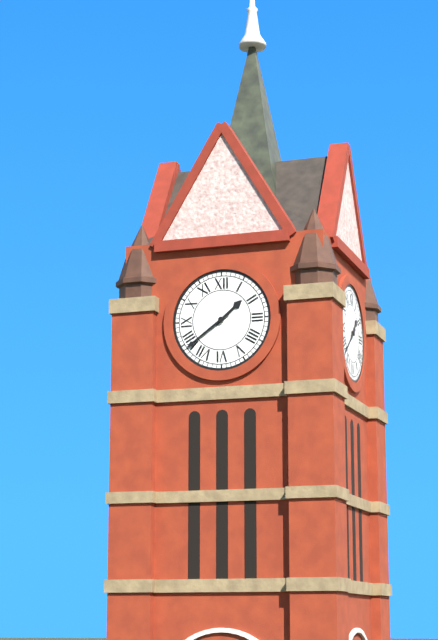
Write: 1:39
